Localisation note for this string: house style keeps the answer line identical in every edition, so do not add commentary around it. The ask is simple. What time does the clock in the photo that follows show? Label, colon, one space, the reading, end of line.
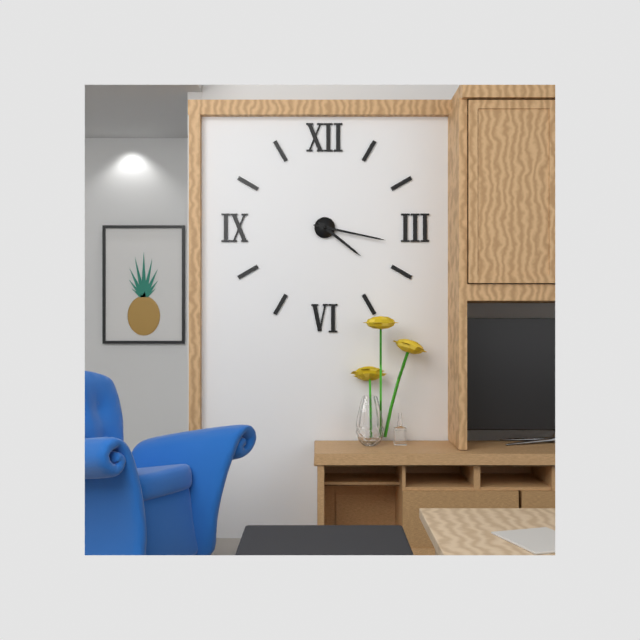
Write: 4:17
